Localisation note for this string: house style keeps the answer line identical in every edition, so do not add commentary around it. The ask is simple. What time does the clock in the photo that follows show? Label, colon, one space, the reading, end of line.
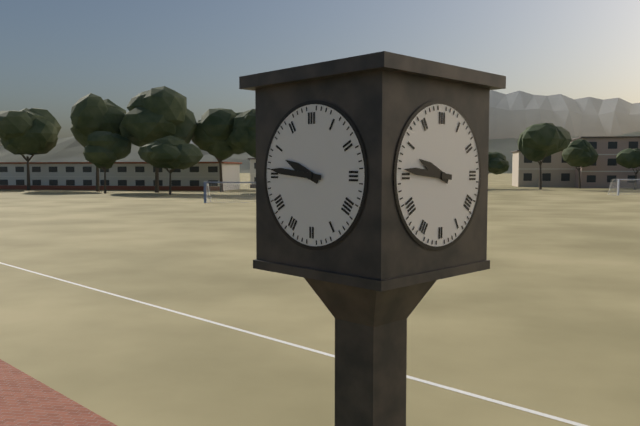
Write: 9:46
